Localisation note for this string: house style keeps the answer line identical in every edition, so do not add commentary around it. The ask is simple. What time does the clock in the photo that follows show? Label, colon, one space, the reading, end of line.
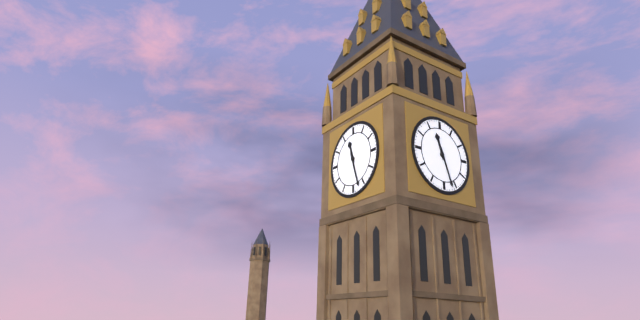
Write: 11:27
